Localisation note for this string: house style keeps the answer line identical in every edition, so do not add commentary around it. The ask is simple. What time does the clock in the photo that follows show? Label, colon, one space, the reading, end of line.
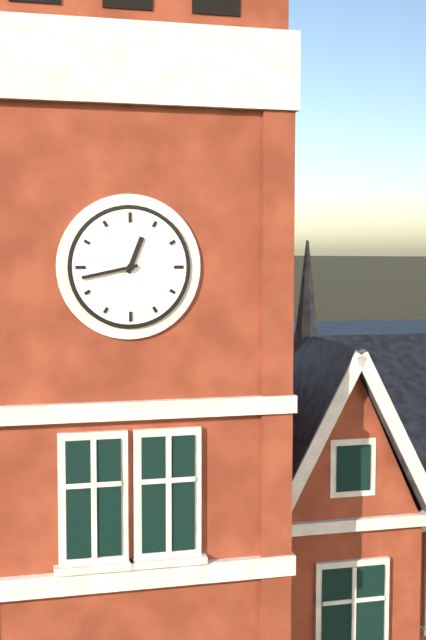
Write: 12:43
